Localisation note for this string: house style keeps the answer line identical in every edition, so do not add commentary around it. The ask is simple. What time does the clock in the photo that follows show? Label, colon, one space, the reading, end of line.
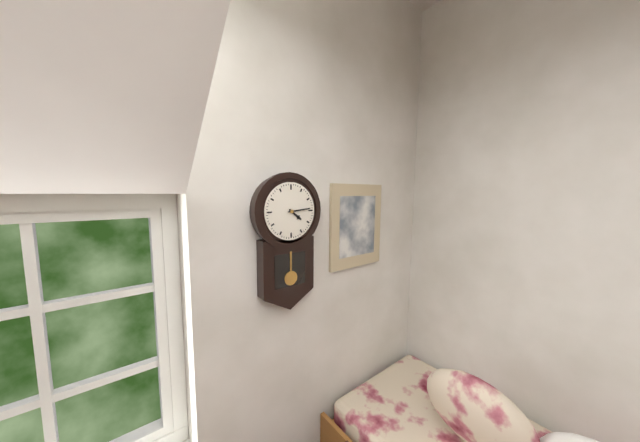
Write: 4:14
